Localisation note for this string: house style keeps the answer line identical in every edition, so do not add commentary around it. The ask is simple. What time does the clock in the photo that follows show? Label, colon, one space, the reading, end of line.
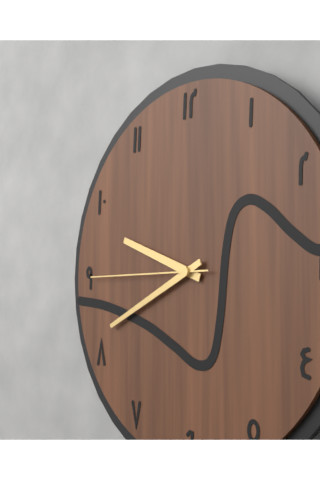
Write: 9:41:45
